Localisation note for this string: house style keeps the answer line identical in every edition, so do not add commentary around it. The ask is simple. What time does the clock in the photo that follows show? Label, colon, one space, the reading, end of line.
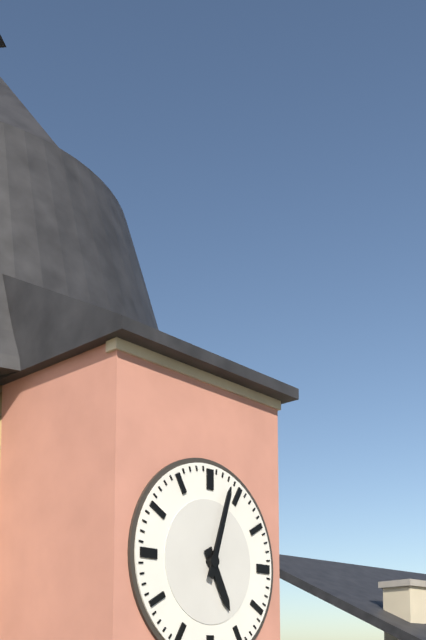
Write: 5:03
